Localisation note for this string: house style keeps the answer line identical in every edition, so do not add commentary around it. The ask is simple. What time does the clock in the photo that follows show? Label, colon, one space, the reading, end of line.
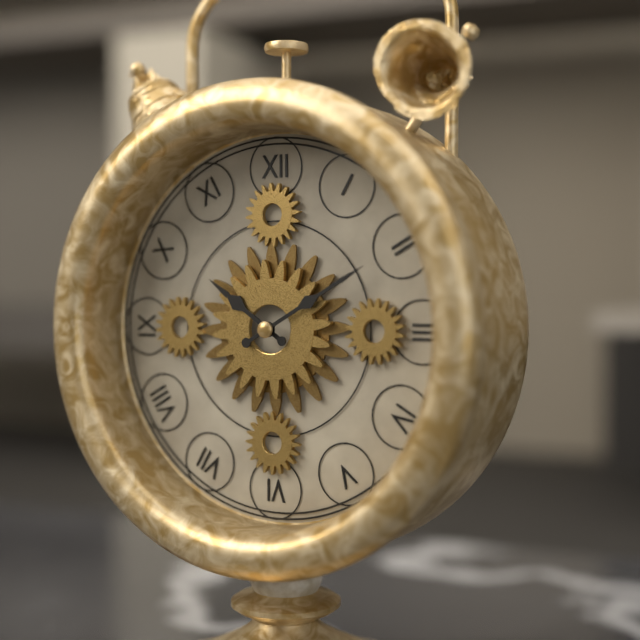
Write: 10:10
